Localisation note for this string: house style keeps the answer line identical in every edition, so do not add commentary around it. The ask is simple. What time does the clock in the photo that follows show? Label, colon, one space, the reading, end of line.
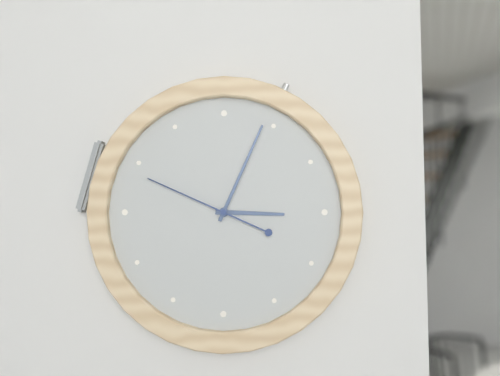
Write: 3:04:49
